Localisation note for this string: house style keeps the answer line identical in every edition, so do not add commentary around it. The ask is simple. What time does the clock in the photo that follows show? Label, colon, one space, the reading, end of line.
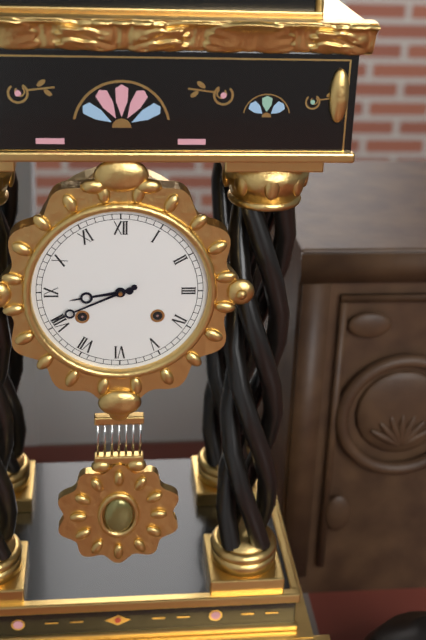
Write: 8:41
